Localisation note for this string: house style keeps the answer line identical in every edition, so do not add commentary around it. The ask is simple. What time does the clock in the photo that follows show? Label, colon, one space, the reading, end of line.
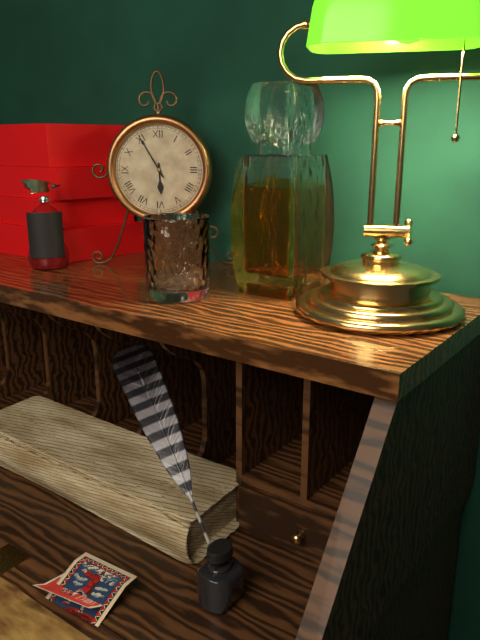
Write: 5:55
